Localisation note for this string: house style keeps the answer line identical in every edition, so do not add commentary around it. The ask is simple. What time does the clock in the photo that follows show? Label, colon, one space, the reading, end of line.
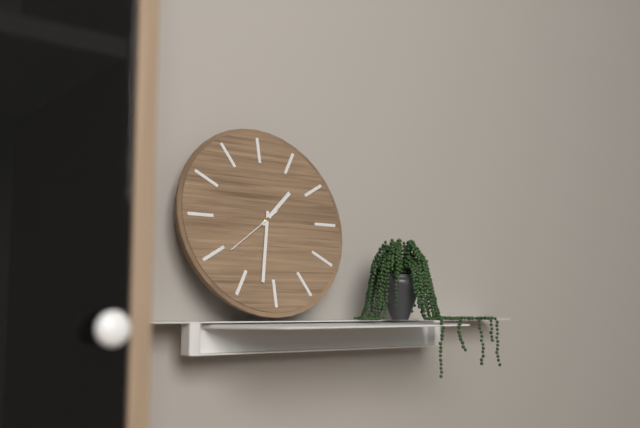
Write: 1:32:39
